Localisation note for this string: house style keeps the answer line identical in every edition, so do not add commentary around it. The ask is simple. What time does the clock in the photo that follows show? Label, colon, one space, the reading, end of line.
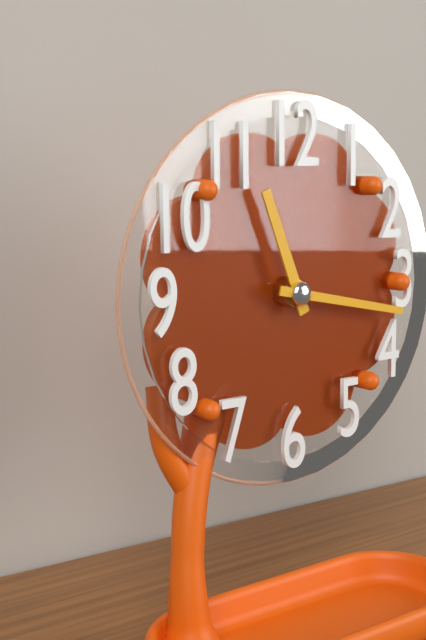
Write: 11:17
